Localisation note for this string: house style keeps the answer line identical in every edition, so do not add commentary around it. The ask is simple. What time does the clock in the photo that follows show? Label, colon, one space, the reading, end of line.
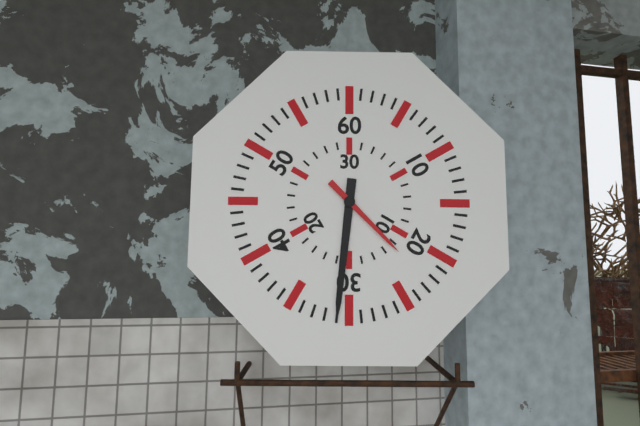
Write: 4:31
